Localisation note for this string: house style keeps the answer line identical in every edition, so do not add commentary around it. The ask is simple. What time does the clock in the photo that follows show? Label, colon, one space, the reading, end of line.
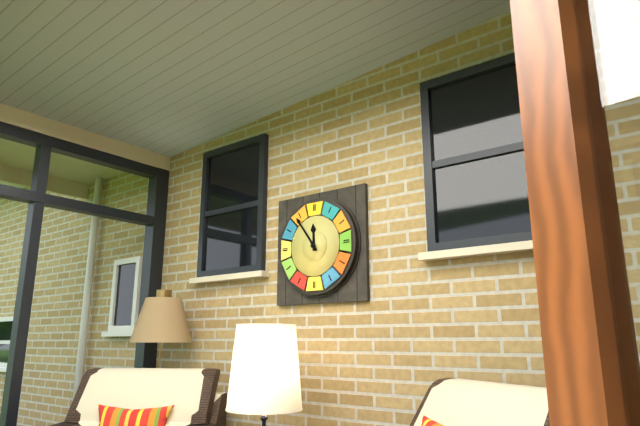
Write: 11:54
